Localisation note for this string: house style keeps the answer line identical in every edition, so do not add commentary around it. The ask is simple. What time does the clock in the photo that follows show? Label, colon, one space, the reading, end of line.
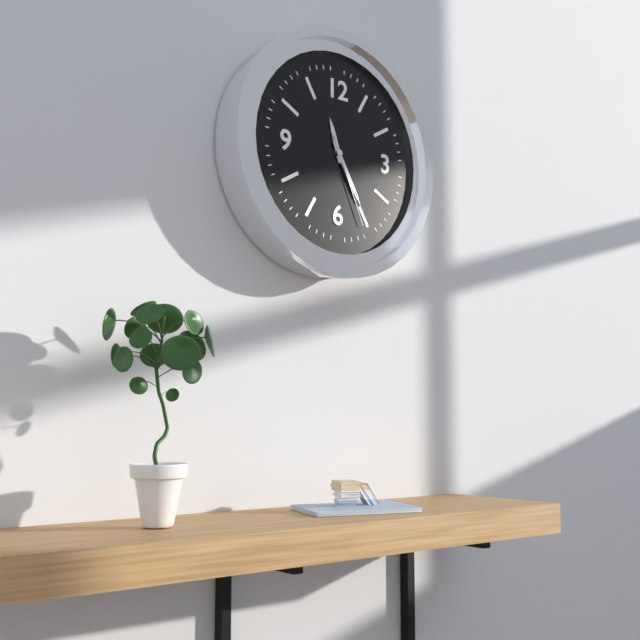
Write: 11:25:26
